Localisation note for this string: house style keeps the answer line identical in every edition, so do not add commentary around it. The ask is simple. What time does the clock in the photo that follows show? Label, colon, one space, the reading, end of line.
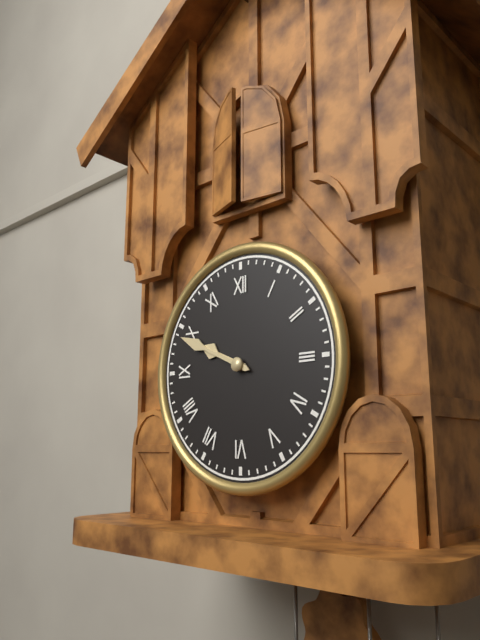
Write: 9:49
